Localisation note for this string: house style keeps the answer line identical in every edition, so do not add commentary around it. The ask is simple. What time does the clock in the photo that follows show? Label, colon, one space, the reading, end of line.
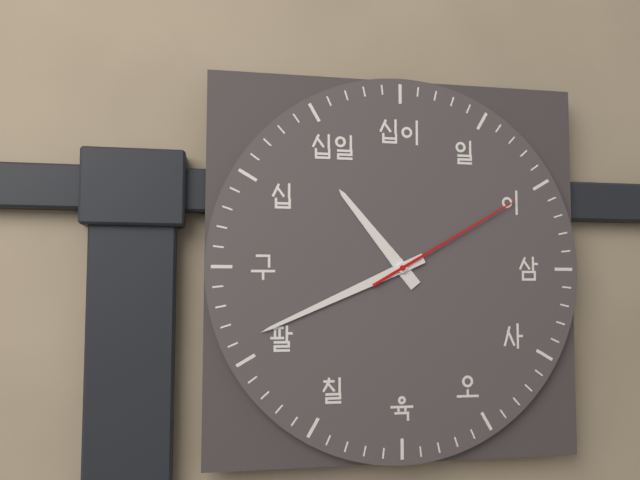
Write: 10:41:10
